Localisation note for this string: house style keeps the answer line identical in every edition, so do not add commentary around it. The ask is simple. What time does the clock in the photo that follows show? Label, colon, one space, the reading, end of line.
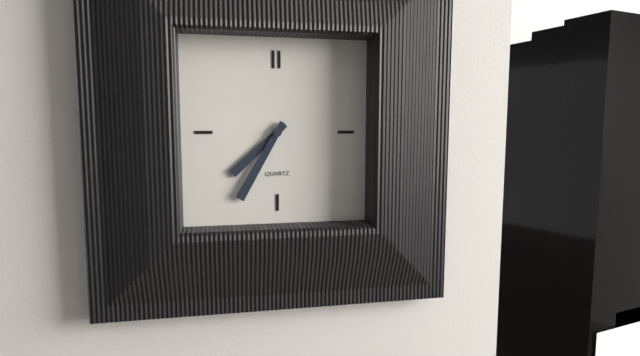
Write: 7:35
